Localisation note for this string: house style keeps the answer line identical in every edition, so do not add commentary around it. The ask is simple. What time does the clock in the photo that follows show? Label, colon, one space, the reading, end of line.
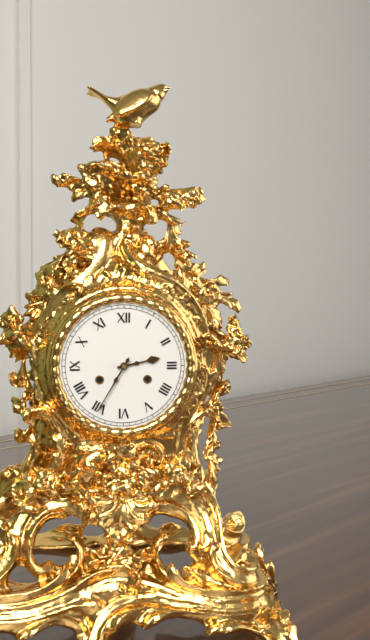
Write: 2:35
